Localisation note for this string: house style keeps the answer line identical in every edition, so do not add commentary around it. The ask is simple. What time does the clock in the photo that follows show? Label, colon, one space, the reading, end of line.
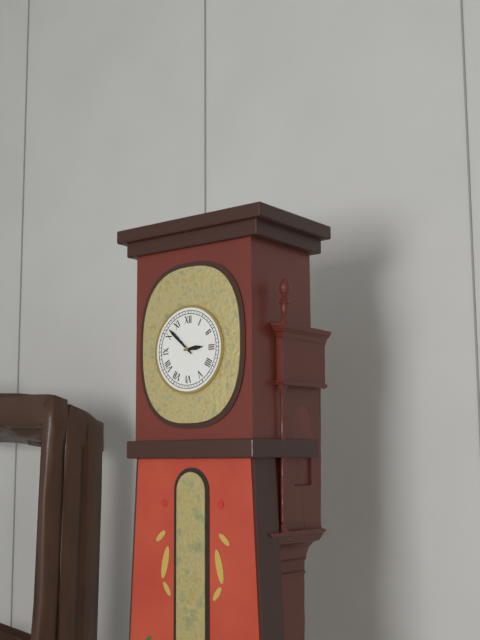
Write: 2:52
